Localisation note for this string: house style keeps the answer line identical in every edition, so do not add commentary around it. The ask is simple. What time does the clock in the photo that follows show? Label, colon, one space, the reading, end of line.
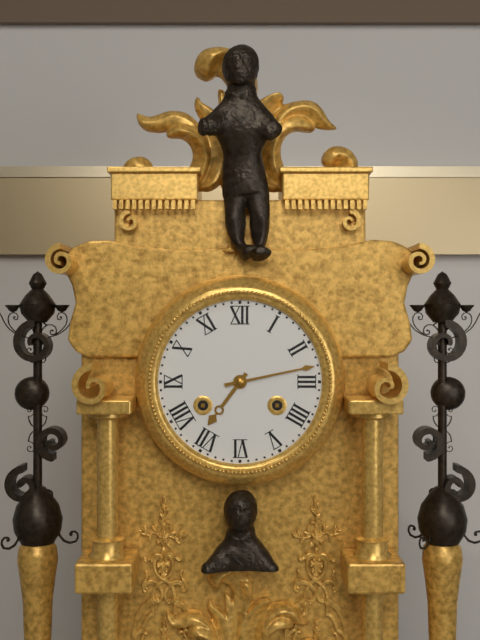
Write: 7:13
